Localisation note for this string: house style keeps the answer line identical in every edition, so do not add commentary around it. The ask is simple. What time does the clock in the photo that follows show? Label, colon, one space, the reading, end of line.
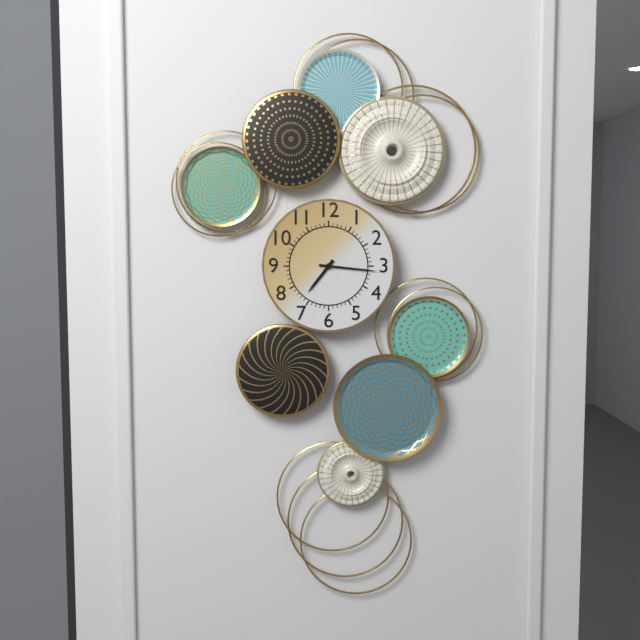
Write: 7:16
